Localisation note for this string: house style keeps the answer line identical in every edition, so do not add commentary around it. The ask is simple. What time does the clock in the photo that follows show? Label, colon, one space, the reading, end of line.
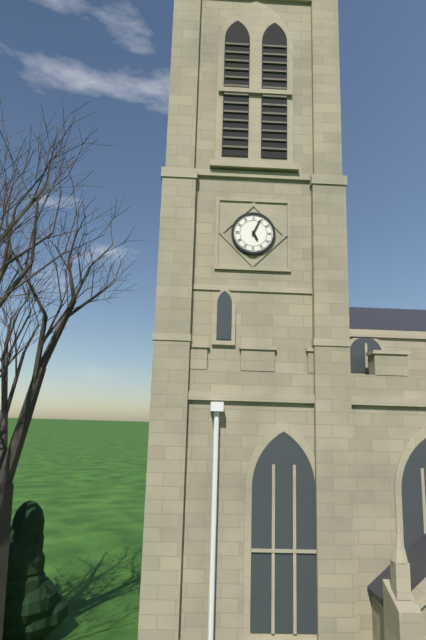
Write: 5:04
